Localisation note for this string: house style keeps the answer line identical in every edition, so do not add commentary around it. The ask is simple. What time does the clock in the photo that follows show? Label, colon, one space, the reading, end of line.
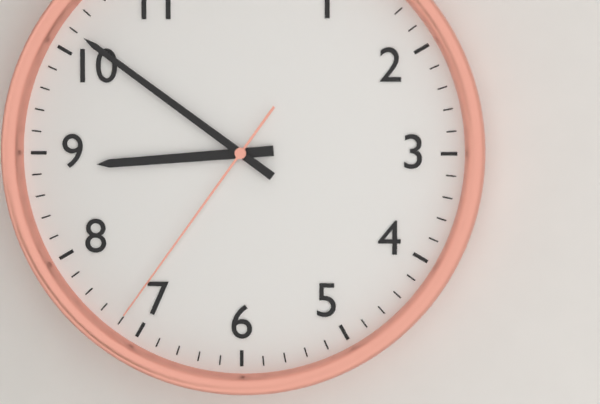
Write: 8:51:36
